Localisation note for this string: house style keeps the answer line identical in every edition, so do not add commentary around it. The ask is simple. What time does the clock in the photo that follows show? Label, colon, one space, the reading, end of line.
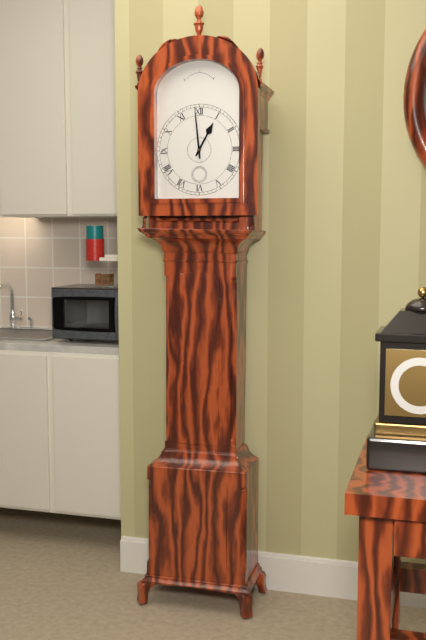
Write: 12:59
